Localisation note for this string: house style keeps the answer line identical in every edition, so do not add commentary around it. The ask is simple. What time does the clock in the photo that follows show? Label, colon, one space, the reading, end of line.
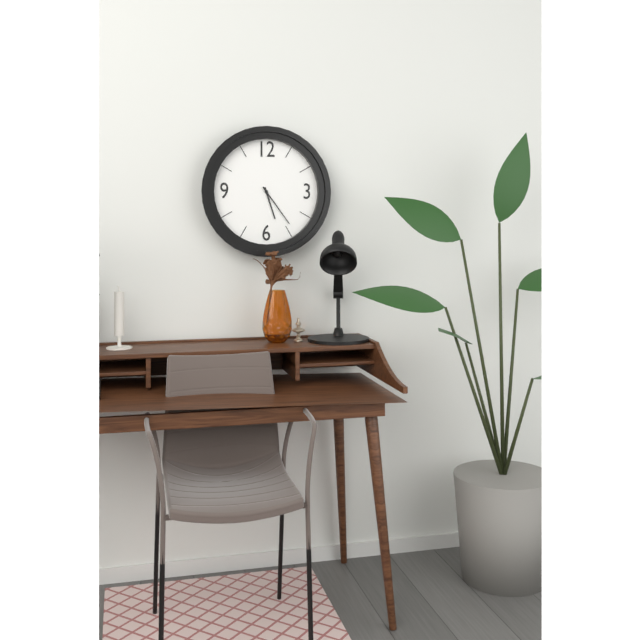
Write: 5:24
